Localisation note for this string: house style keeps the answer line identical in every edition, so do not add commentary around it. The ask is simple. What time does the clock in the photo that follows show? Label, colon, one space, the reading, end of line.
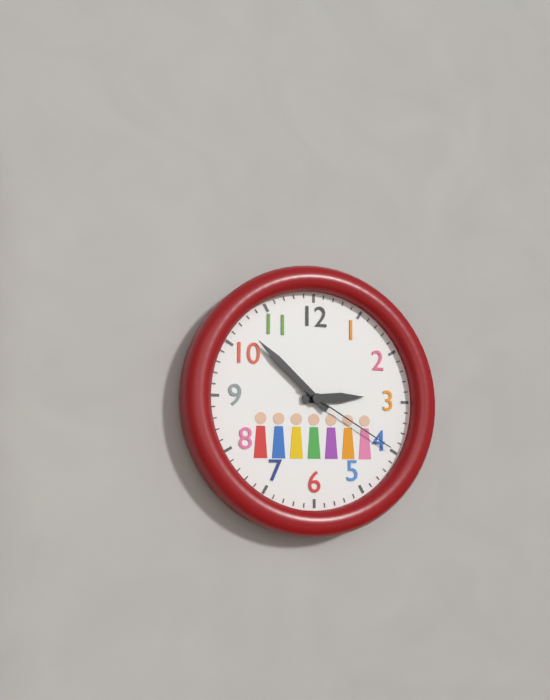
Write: 2:52:20
